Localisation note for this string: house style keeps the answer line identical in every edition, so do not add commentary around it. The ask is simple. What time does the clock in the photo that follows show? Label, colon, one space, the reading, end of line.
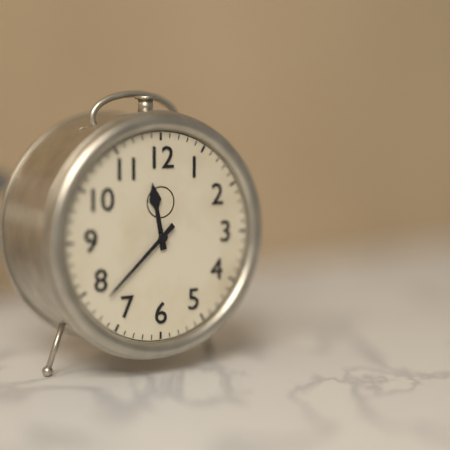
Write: 11:38
